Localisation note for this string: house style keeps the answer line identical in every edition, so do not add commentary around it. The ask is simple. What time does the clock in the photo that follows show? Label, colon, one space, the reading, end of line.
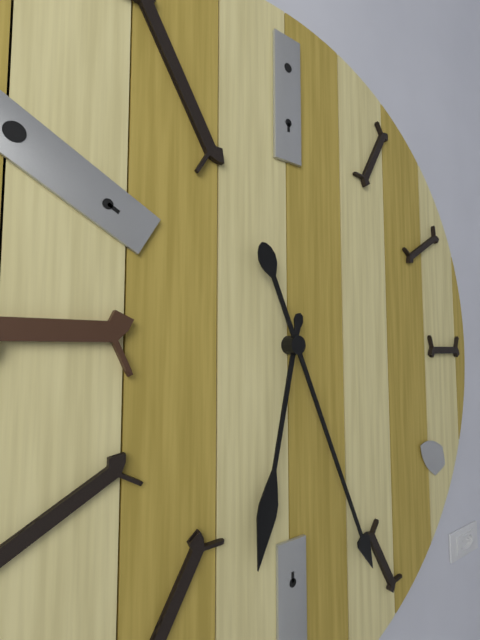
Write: 6:26
